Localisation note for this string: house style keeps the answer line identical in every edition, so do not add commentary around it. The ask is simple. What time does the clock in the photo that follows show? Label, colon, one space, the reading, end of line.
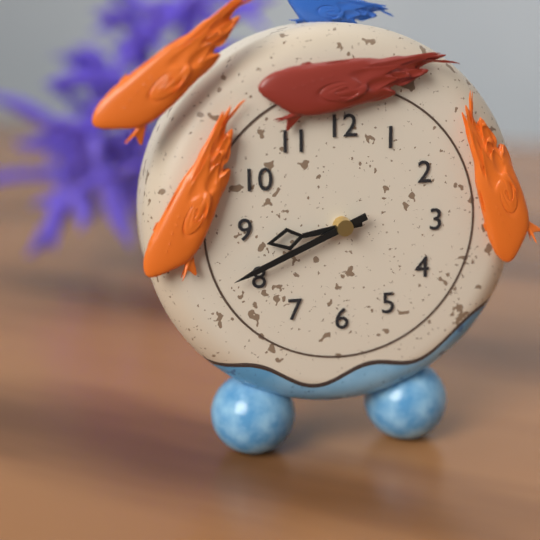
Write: 8:41
